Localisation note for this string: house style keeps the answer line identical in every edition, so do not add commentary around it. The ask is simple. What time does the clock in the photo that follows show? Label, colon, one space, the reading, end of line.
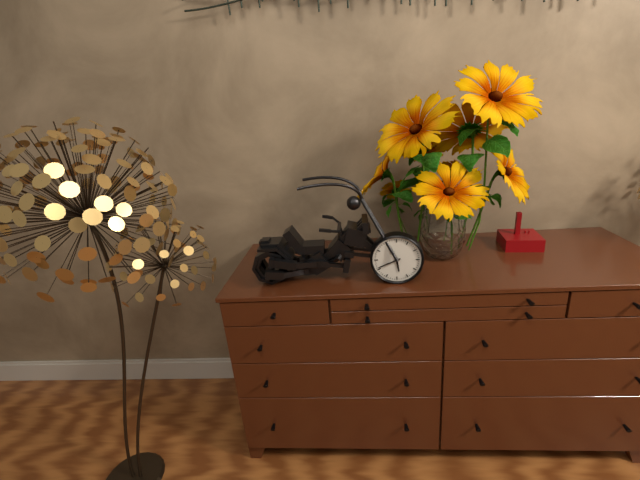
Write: 5:41
